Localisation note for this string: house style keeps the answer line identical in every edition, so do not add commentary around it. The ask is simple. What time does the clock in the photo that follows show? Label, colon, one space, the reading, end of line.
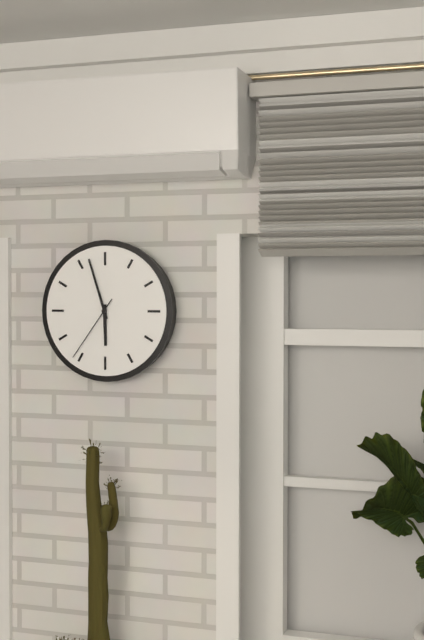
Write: 5:57:36
